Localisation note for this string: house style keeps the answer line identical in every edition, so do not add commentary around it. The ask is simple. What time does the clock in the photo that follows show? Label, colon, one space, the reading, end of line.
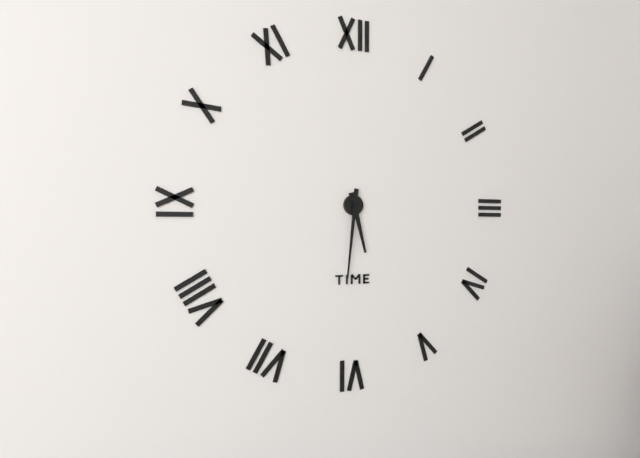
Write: 5:31
